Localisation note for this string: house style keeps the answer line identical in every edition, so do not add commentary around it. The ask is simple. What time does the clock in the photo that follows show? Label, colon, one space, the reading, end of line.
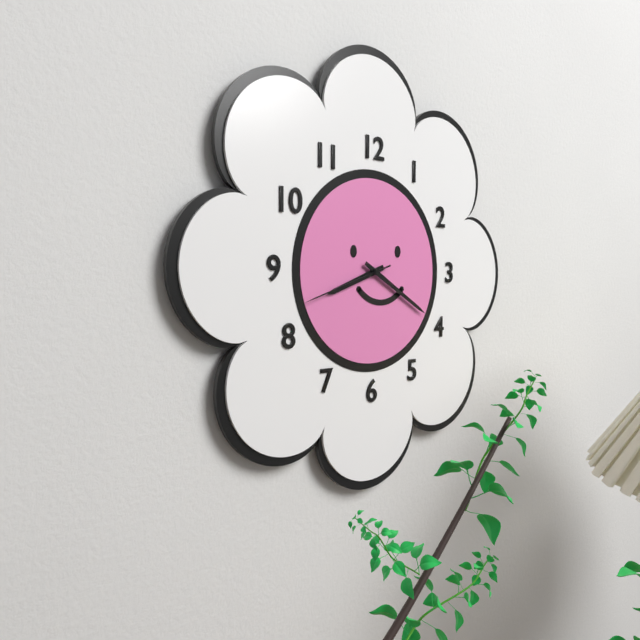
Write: 8:20:42
